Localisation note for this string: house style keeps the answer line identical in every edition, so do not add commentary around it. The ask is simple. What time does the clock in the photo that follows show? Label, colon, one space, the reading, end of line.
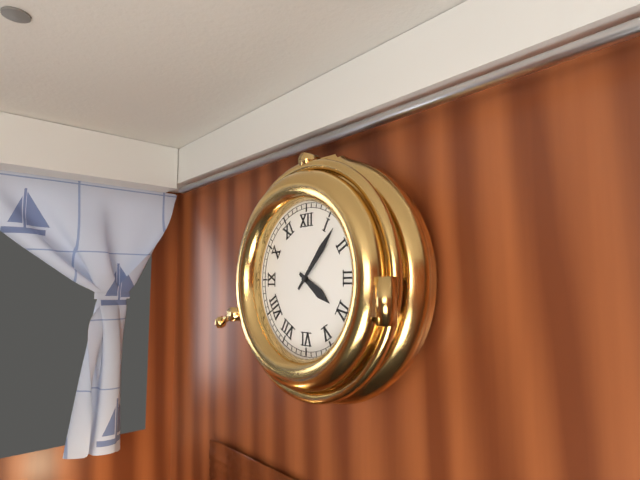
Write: 4:07
